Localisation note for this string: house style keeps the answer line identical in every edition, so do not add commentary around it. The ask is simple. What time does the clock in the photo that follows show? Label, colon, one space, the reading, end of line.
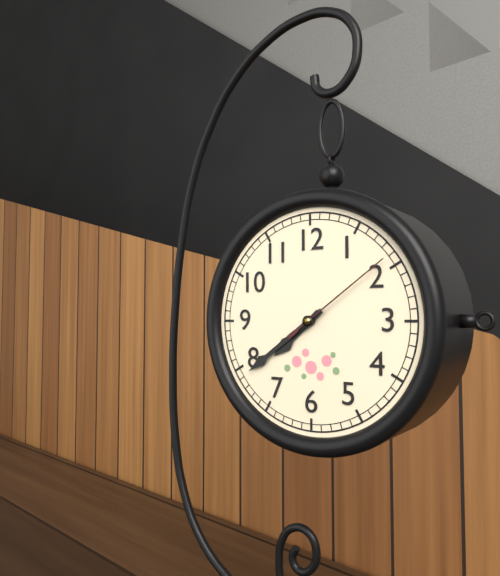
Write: 7:39:09
